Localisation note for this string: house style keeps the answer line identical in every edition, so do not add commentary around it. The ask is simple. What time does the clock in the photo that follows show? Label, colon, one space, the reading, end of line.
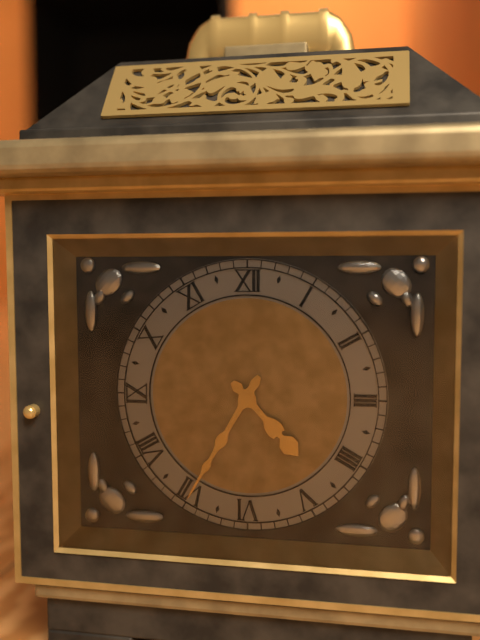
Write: 4:35
